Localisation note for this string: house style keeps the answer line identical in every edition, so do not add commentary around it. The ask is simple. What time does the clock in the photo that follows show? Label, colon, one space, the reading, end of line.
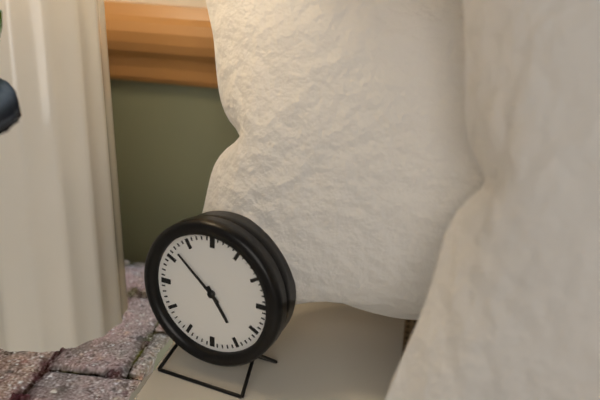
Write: 4:52
